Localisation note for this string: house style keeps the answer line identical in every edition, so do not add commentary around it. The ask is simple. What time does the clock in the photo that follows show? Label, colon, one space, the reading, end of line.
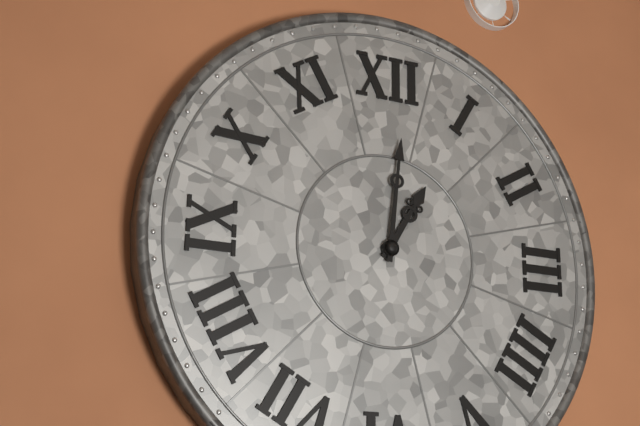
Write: 1:01
